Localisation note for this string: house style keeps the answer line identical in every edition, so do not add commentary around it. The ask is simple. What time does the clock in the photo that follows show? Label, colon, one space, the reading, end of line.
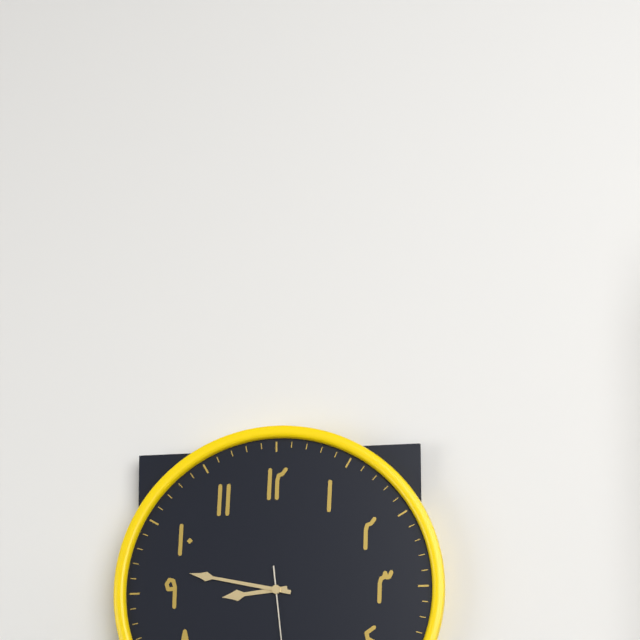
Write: 8:47
